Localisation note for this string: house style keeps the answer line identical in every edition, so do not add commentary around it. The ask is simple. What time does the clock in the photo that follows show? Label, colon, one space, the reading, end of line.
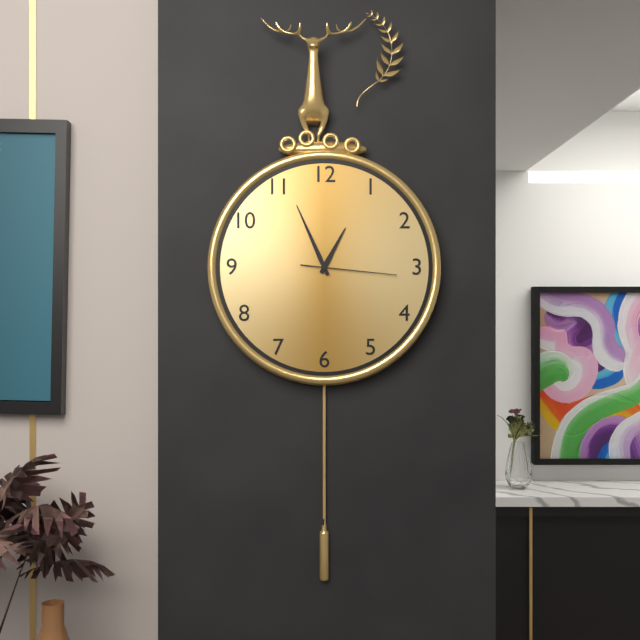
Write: 12:56:16
